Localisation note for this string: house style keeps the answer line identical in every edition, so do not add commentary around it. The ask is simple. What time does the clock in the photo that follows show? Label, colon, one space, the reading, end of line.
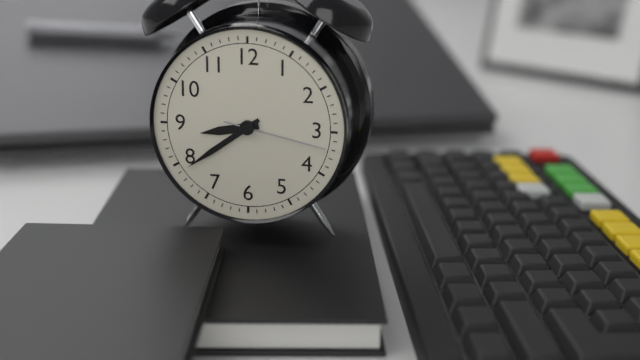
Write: 8:39:17
